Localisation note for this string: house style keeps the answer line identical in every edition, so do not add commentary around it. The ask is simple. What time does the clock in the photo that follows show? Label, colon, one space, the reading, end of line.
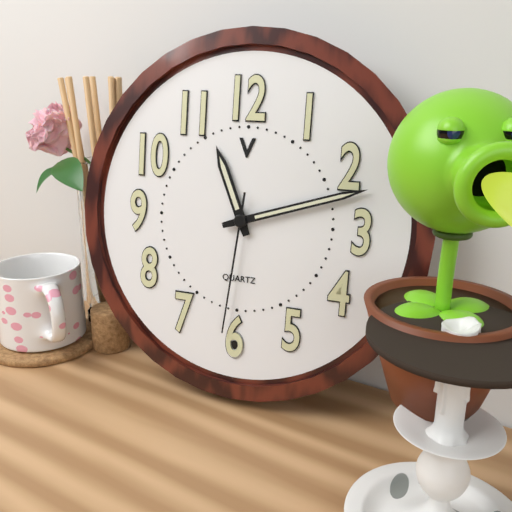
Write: 11:12:31
